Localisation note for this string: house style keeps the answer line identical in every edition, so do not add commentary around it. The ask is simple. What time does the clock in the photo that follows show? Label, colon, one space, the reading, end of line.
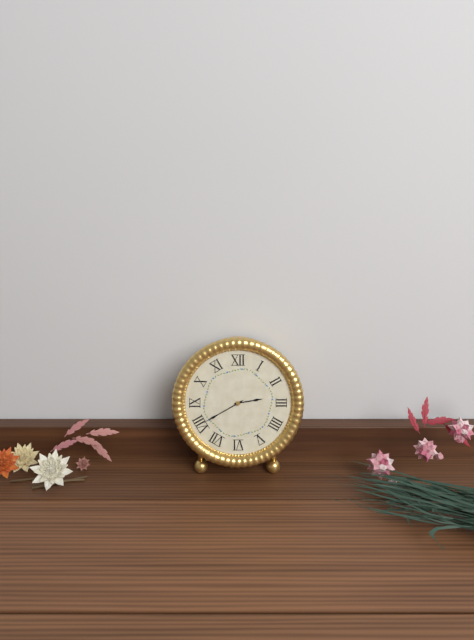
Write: 2:40
